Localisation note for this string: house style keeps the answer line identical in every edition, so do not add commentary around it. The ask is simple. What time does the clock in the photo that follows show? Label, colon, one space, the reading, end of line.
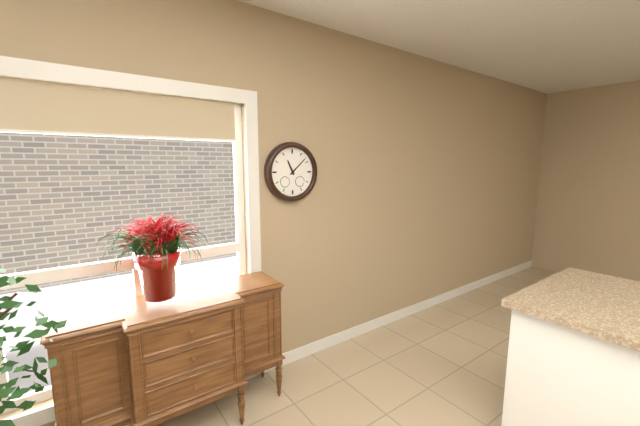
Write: 11:08
